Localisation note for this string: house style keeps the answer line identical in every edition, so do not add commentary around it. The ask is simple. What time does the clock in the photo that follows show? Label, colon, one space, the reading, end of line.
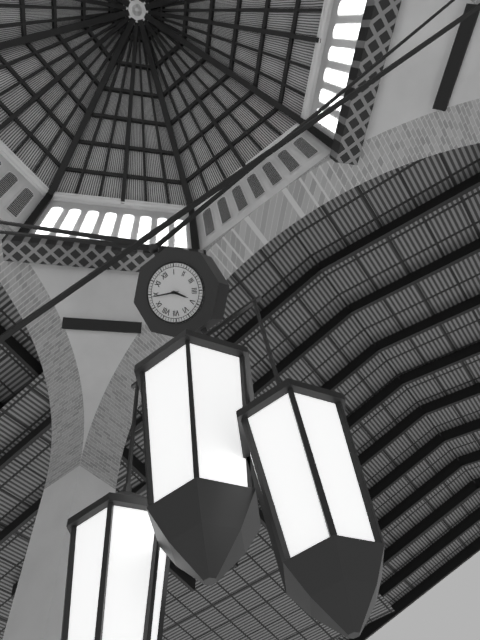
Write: 4:49
